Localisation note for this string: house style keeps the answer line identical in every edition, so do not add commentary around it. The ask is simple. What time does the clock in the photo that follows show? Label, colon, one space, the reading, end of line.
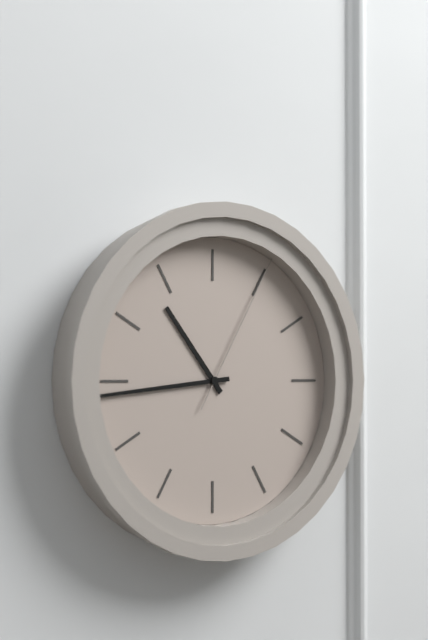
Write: 10:44:05
